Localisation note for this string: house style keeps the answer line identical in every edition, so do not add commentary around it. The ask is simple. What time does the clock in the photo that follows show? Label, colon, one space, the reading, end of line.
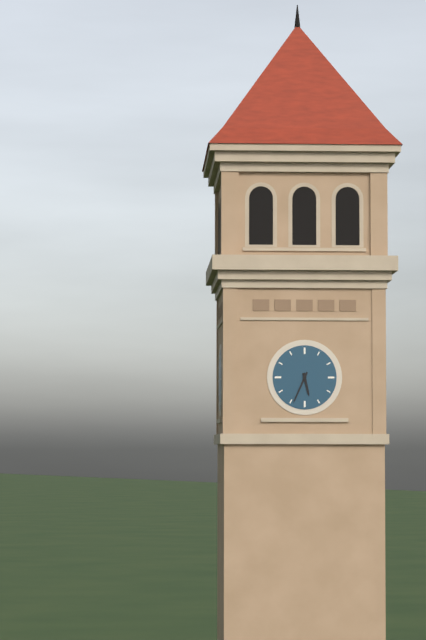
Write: 5:34
